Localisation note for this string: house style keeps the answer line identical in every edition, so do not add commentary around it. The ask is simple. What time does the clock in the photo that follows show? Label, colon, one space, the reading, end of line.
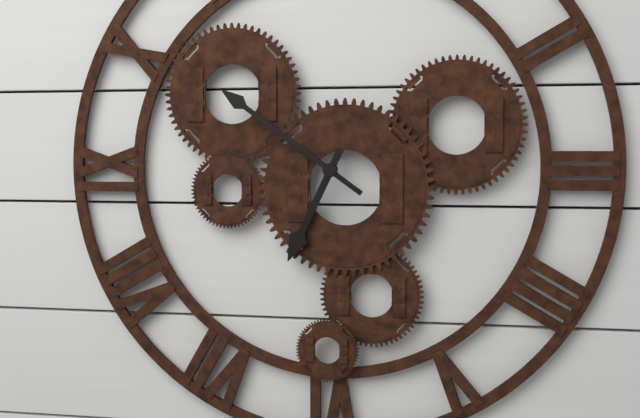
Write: 6:51
